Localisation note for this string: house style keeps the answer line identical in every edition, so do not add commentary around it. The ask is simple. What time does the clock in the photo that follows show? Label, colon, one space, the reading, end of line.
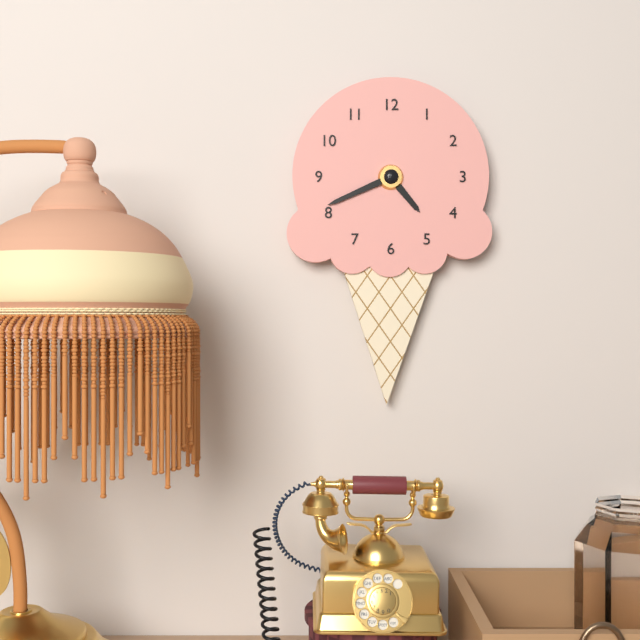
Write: 4:41
